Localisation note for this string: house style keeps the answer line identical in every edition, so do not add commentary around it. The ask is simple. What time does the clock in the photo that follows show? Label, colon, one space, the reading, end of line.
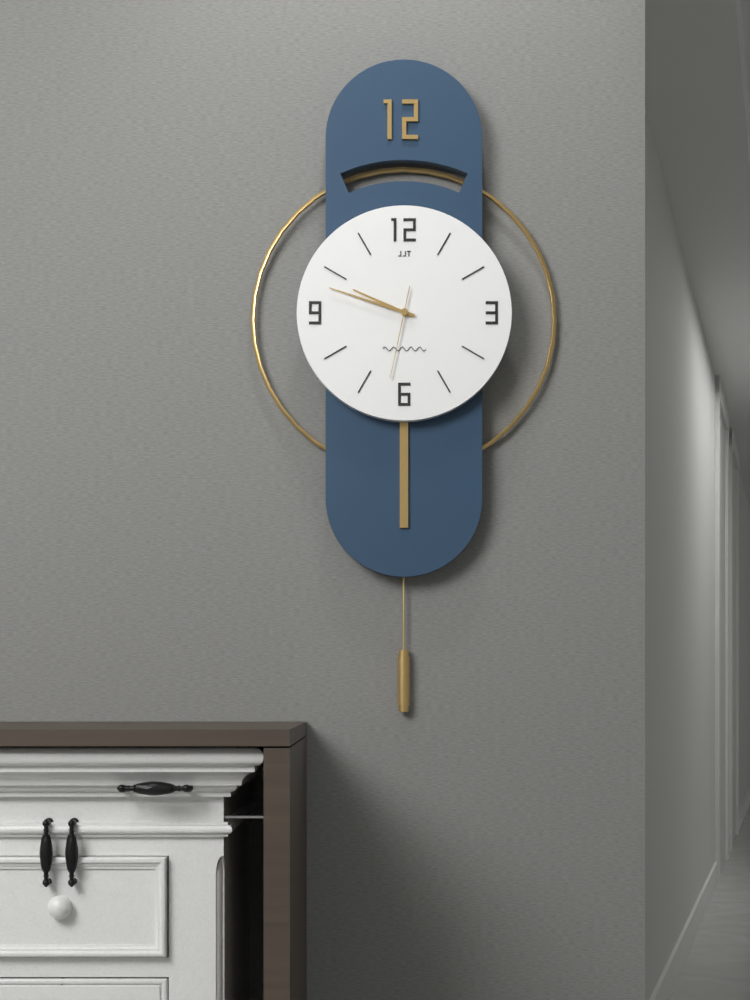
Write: 9:48:32
